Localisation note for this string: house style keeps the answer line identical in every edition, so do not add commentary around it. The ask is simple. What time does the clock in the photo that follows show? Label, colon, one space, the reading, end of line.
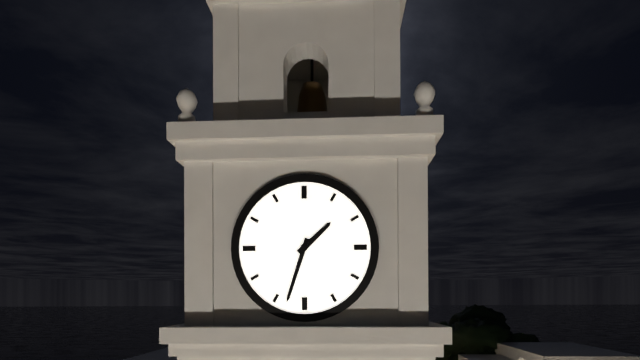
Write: 1:33
